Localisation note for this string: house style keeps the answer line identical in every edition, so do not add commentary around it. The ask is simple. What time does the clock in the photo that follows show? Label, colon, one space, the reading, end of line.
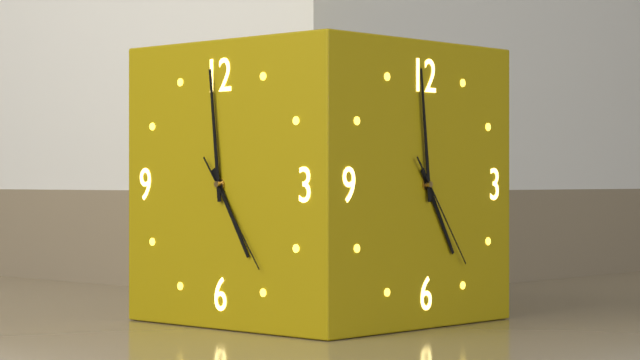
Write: 4:59:24
